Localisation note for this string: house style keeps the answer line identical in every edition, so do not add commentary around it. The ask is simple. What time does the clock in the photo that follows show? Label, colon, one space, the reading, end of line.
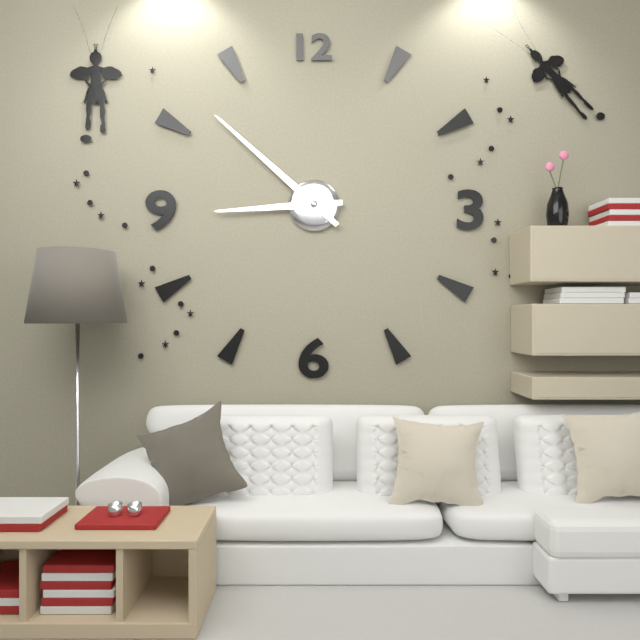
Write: 8:52
